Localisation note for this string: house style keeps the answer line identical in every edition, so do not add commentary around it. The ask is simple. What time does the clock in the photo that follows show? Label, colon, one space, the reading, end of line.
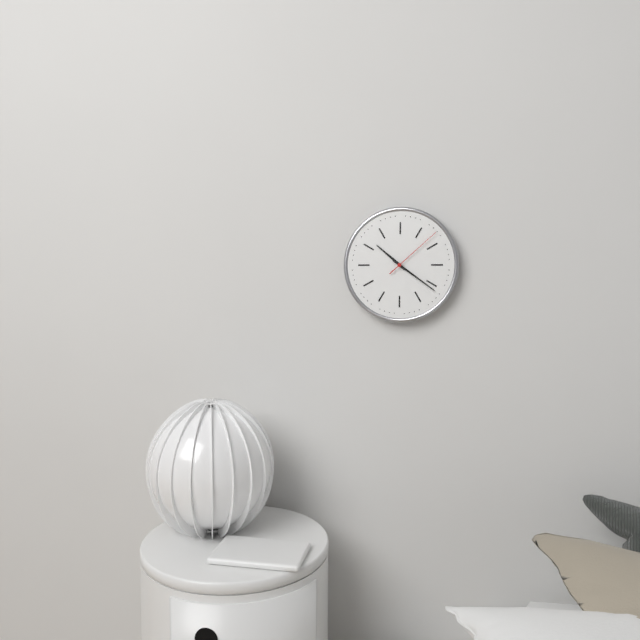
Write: 10:21:08
